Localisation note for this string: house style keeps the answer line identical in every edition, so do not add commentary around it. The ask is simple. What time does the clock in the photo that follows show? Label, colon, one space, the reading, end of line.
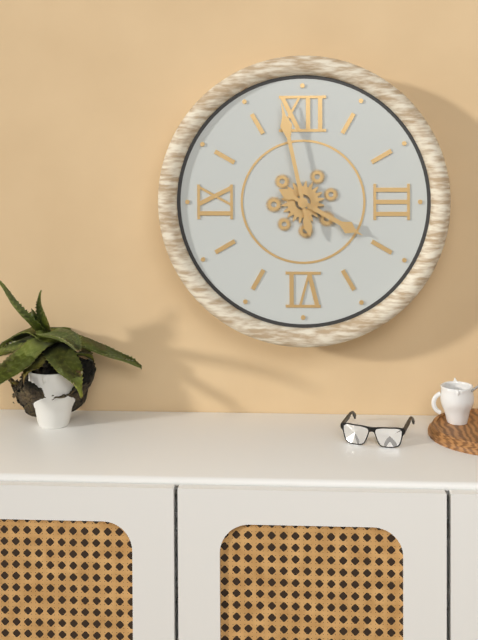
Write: 3:58
